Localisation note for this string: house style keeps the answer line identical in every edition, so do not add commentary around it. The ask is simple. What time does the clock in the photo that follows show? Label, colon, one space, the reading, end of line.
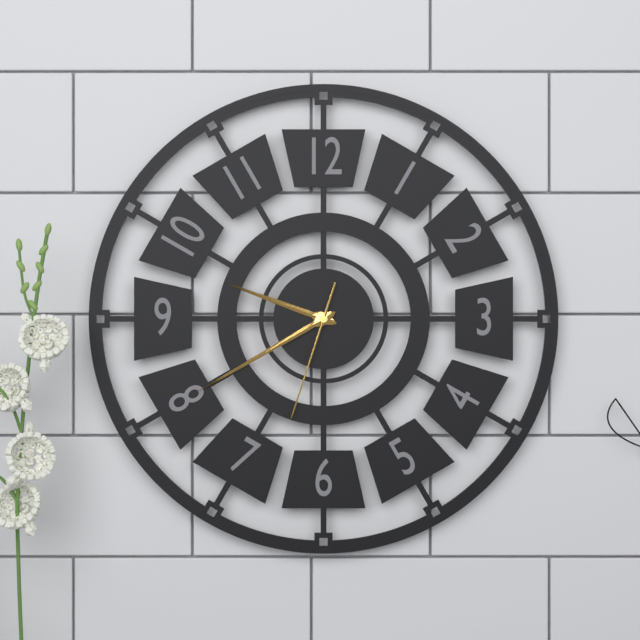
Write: 9:40:33
